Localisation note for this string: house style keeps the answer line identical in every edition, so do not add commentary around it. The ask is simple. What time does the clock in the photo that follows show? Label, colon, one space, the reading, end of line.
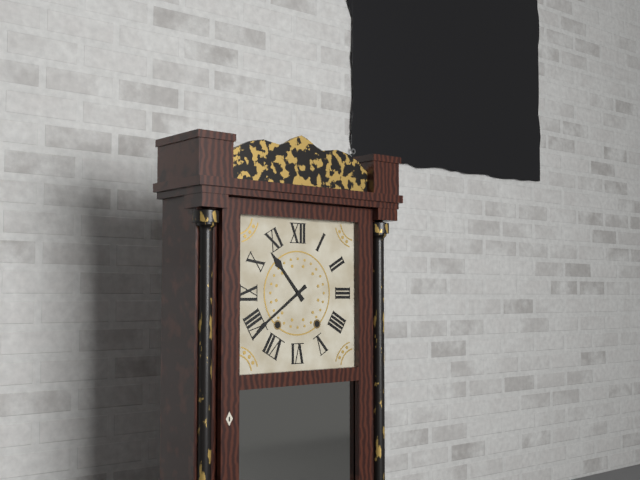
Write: 10:39
